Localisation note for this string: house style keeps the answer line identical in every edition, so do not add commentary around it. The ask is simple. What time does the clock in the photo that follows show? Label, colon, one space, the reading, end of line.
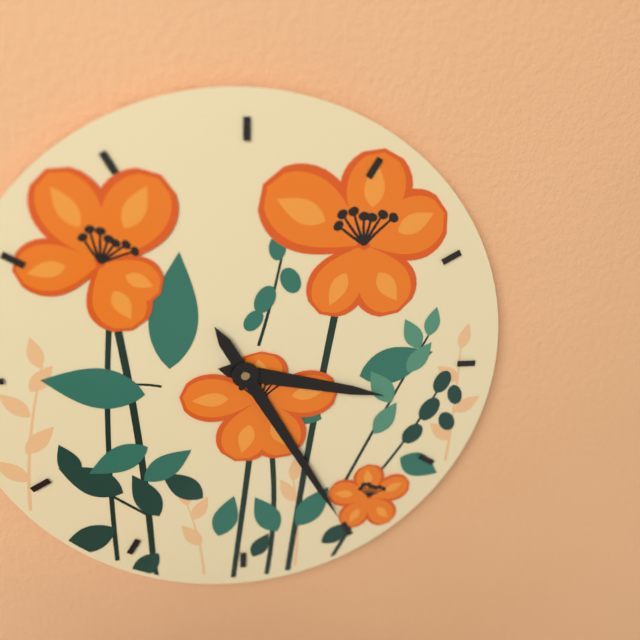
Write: 3:25
